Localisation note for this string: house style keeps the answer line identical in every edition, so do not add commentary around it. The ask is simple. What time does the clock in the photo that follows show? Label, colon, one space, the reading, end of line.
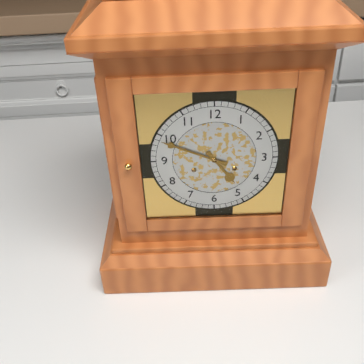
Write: 4:49
